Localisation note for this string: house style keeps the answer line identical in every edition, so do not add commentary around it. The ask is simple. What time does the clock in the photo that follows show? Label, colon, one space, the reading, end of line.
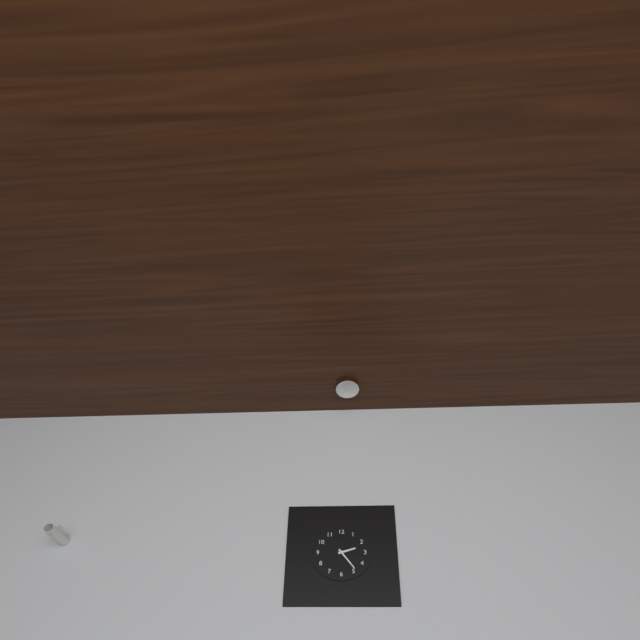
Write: 2:24
